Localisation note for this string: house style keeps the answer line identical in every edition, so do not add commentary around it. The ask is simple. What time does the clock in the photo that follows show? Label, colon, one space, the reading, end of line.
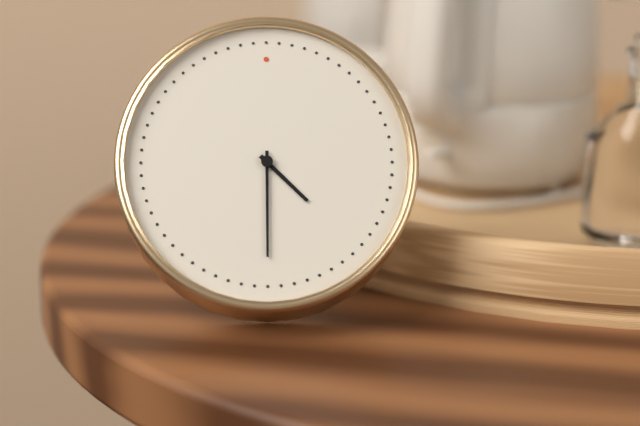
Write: 4:30
